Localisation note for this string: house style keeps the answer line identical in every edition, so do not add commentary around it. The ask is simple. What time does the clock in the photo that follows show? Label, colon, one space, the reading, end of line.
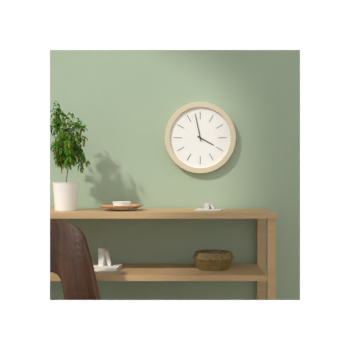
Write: 3:58
